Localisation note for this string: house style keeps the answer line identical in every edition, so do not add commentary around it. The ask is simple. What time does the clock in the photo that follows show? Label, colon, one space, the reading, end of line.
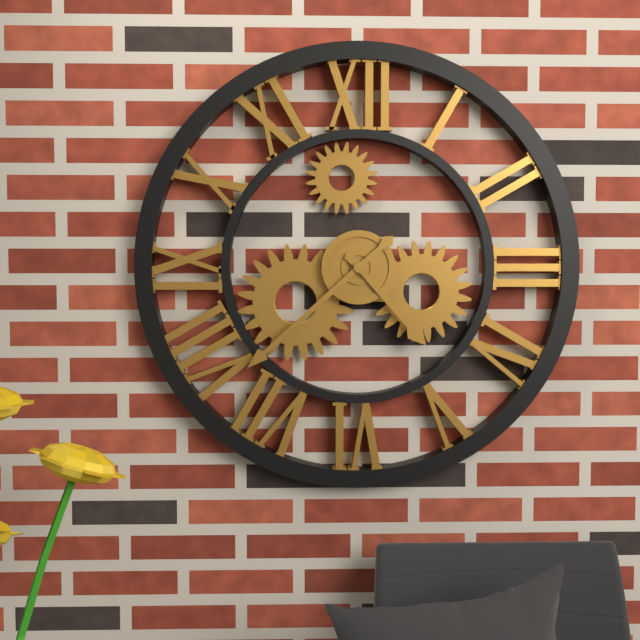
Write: 4:38
